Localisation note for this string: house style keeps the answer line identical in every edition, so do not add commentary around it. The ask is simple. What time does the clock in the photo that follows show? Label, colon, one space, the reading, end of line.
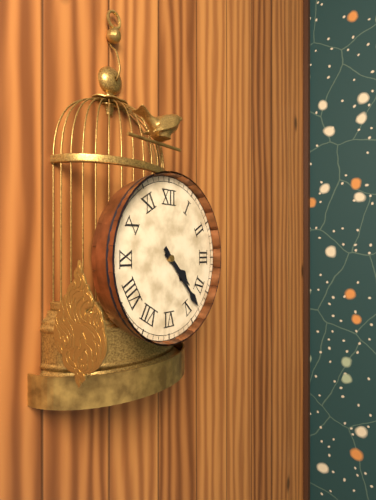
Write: 4:23
